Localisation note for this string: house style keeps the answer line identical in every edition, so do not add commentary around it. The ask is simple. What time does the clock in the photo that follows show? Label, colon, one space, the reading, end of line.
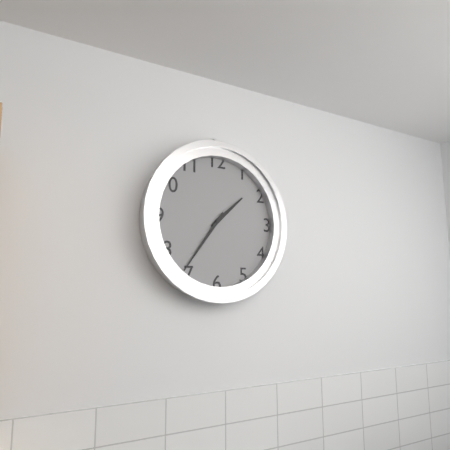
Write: 1:36
